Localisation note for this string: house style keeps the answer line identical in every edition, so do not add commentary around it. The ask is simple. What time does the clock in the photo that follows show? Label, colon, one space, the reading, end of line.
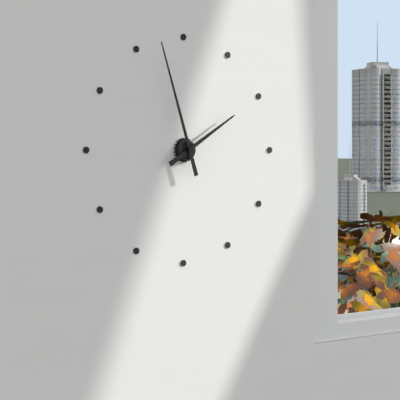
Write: 1:57
